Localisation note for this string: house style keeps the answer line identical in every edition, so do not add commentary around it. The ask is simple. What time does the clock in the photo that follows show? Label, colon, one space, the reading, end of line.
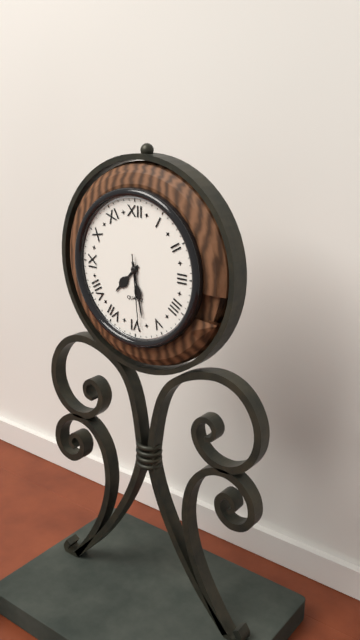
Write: 7:28:29
